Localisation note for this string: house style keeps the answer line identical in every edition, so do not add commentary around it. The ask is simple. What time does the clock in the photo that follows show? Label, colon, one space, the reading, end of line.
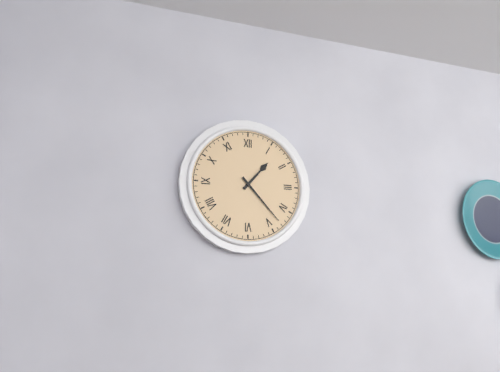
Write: 1:23
